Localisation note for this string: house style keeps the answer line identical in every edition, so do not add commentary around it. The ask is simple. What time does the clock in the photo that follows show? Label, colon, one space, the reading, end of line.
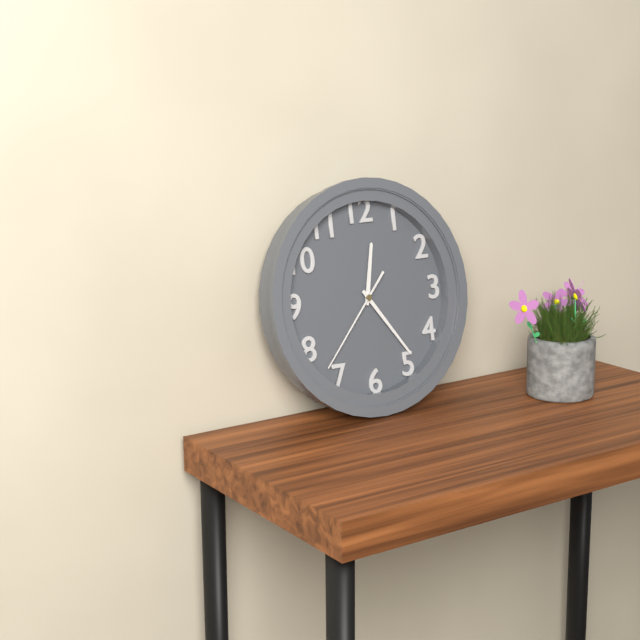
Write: 12:24:37
